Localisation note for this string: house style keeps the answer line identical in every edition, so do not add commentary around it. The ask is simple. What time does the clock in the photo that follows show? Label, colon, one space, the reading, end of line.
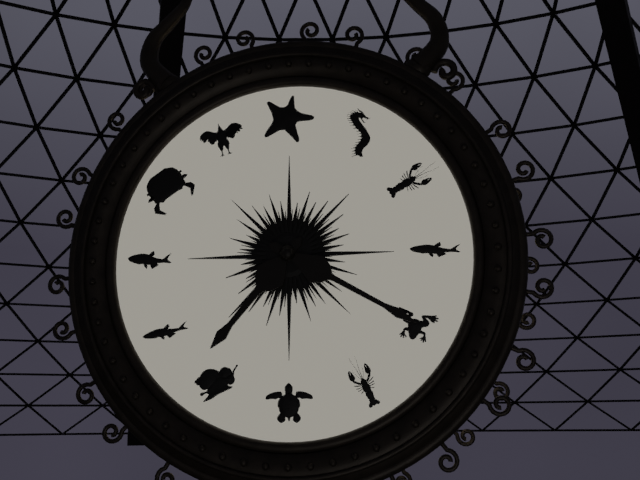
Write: 7:20
